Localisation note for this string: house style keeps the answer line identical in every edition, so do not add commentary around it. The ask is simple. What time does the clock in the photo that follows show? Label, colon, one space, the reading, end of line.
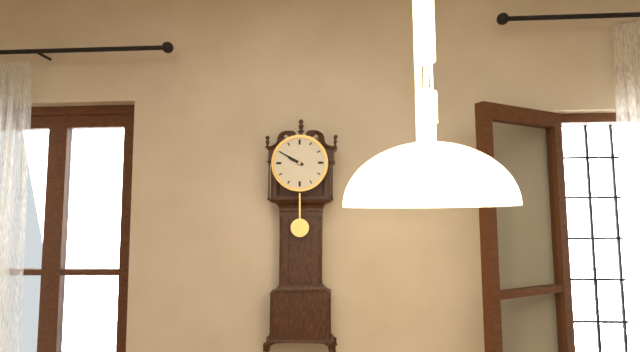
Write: 9:50
